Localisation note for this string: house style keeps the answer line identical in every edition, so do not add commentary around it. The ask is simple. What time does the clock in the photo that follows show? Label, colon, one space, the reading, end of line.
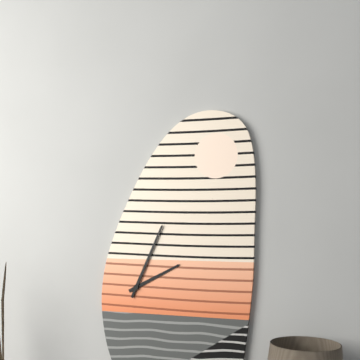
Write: 2:04
